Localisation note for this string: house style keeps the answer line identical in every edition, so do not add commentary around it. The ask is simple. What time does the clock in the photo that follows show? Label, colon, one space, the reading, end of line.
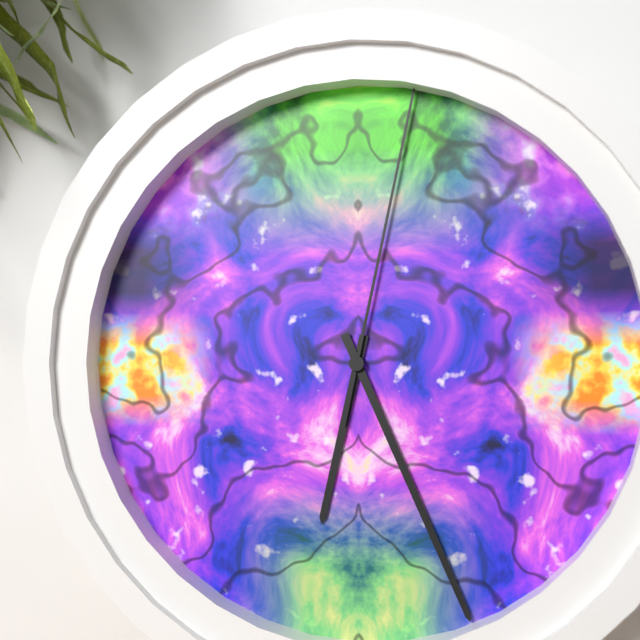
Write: 6:26:02
